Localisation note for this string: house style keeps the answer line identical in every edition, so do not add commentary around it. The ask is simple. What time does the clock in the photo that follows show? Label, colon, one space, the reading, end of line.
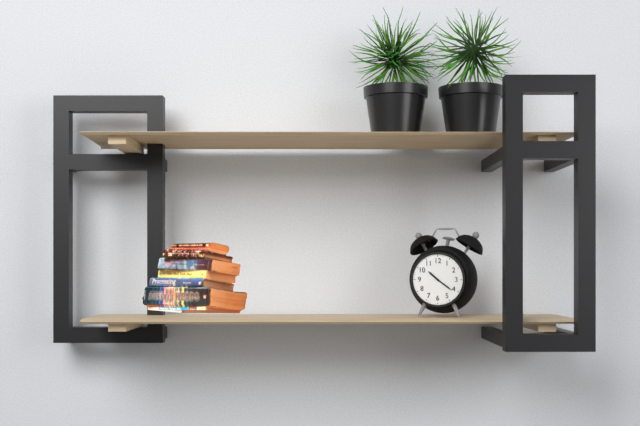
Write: 10:21
